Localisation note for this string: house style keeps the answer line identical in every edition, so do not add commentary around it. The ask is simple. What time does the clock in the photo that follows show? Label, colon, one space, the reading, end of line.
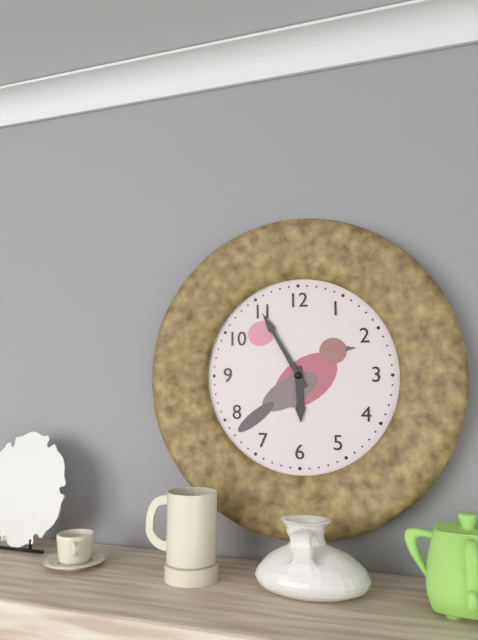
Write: 5:55
